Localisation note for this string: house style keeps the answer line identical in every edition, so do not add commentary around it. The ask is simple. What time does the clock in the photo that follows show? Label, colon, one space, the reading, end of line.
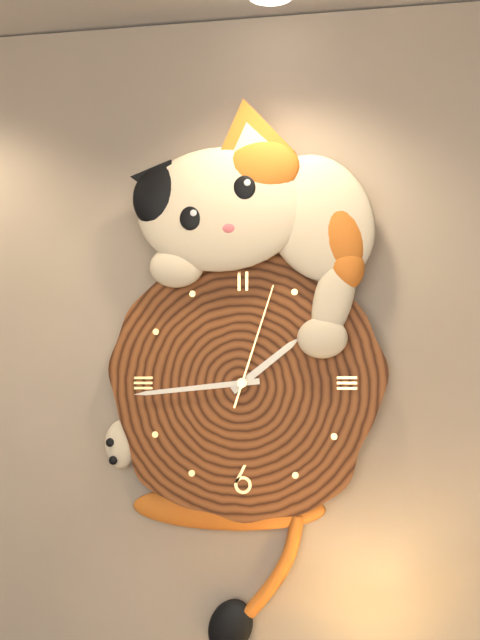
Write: 1:44:03
